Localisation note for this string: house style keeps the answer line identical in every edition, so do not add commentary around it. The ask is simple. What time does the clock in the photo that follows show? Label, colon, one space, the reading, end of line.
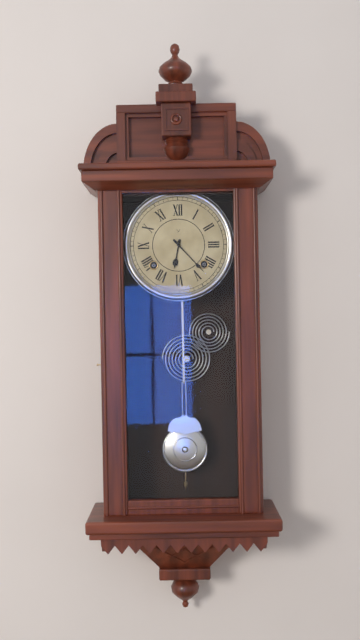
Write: 6:23
